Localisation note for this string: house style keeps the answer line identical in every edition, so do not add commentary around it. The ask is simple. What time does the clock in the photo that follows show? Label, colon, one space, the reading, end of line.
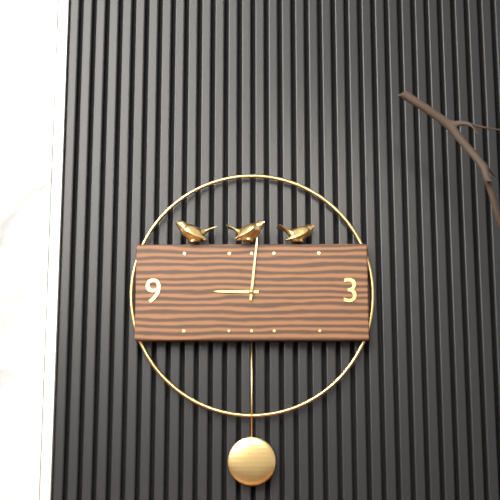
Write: 9:01
